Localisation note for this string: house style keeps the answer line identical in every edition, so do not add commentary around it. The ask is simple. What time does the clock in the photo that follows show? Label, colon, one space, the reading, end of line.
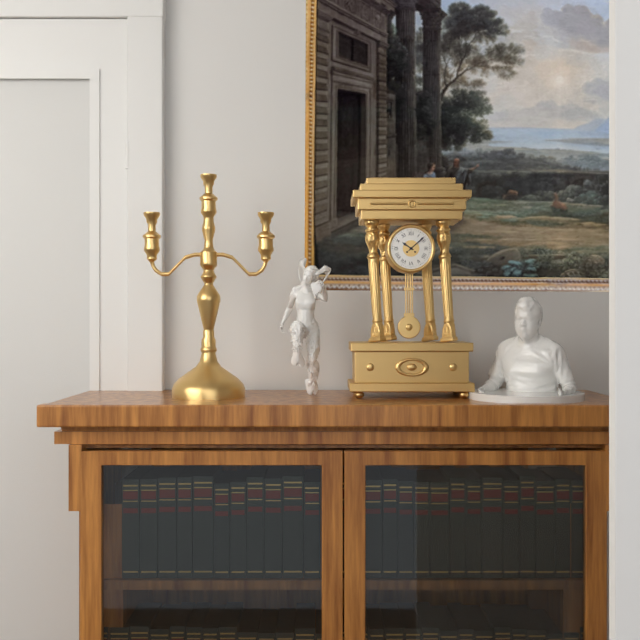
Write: 10:08
